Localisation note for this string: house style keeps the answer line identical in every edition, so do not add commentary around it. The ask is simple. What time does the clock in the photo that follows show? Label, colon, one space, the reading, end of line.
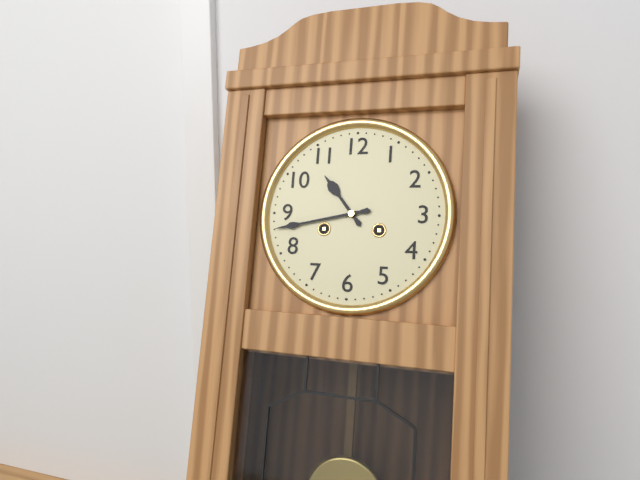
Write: 10:43
